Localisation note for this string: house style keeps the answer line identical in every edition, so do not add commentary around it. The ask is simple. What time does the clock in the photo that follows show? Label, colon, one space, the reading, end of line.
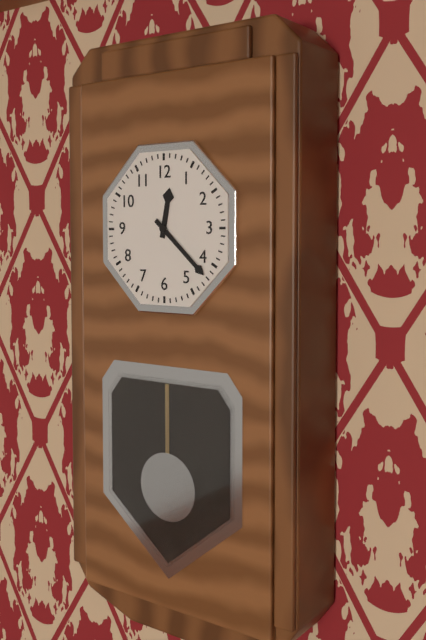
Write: 12:22
